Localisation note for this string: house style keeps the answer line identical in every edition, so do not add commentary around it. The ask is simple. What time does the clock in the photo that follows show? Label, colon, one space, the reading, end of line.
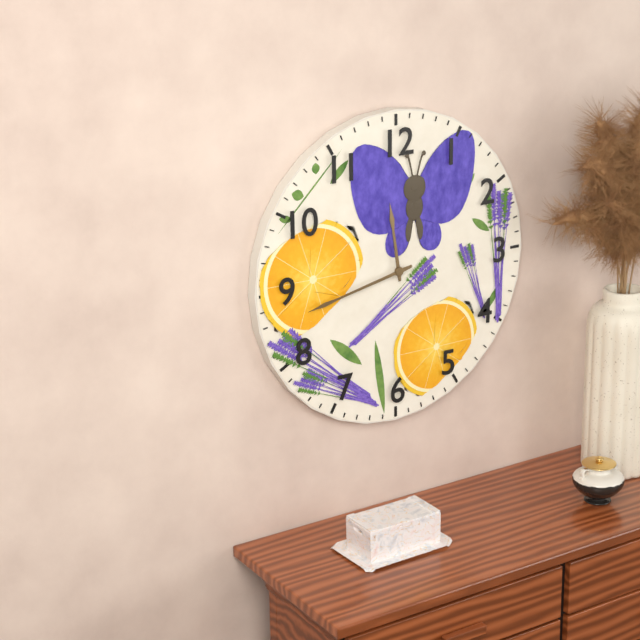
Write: 11:43
